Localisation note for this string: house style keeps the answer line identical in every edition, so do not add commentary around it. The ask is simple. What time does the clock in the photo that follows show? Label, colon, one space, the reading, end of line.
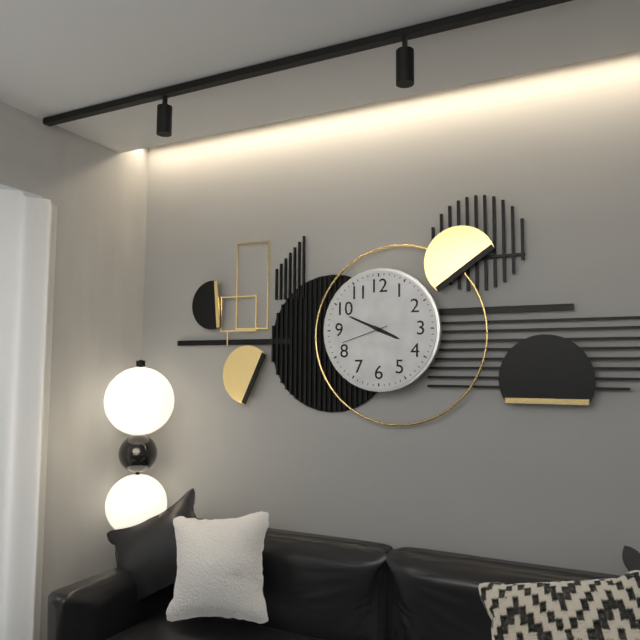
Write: 3:49
